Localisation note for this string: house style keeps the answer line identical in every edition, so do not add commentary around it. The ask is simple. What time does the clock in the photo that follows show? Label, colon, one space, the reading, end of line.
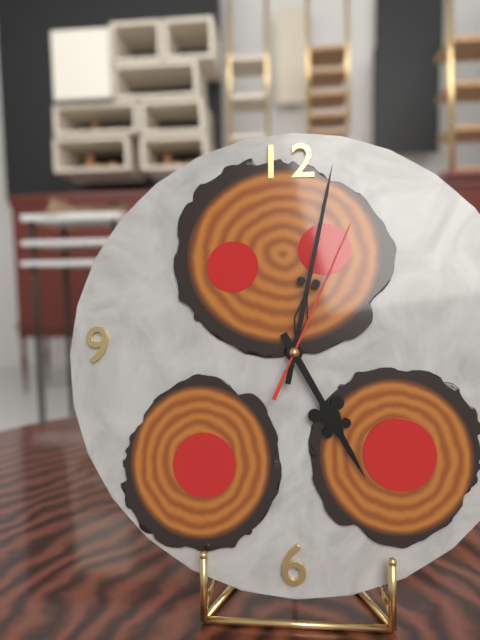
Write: 5:02:04
